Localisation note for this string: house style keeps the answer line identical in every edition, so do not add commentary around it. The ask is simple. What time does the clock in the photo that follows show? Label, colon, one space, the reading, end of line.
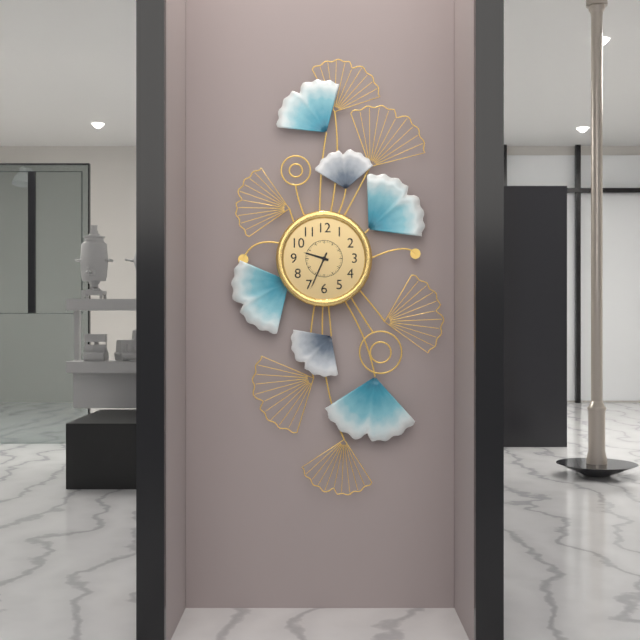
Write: 9:34
